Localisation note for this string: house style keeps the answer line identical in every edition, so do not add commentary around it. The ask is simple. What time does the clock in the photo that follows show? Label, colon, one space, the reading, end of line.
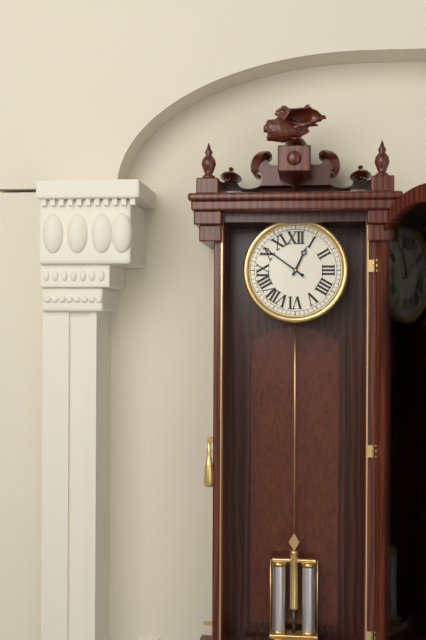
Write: 12:51
